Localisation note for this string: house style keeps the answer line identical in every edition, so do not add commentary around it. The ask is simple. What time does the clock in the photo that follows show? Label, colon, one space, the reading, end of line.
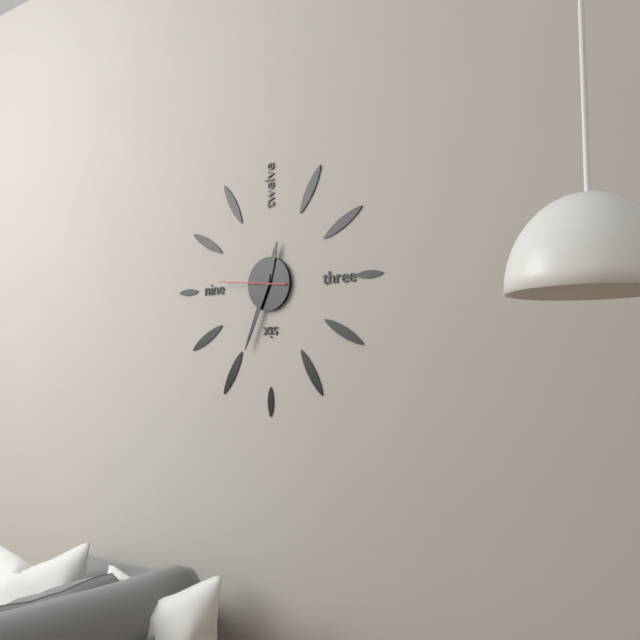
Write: 12:34:46
